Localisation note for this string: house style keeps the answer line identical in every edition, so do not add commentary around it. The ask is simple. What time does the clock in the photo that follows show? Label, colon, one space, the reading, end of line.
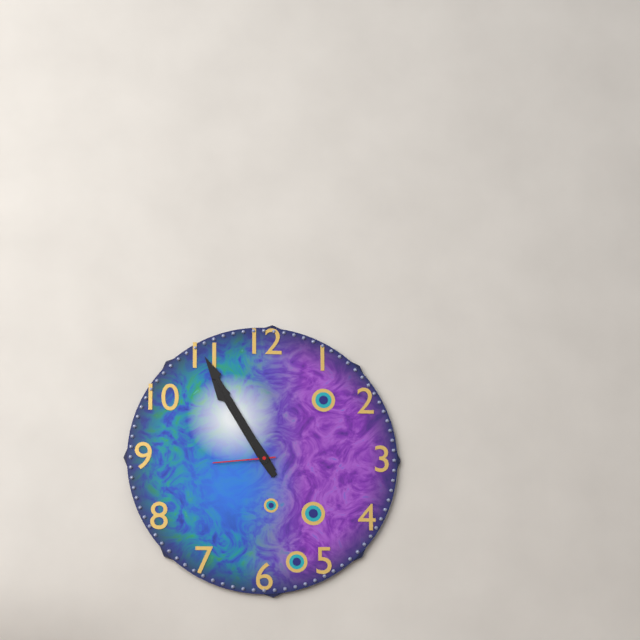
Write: 10:55:44
